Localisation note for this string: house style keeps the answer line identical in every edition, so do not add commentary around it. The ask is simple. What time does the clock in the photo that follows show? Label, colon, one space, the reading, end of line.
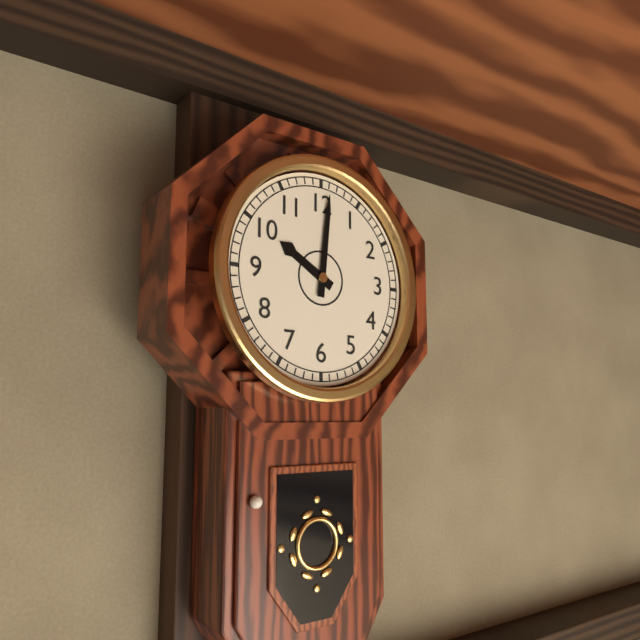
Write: 10:01
